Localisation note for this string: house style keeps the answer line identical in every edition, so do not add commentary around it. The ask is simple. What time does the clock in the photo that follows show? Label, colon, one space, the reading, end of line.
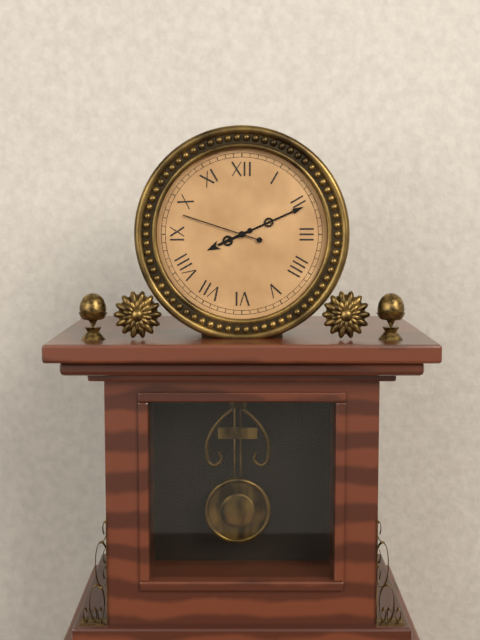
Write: 8:11:48
